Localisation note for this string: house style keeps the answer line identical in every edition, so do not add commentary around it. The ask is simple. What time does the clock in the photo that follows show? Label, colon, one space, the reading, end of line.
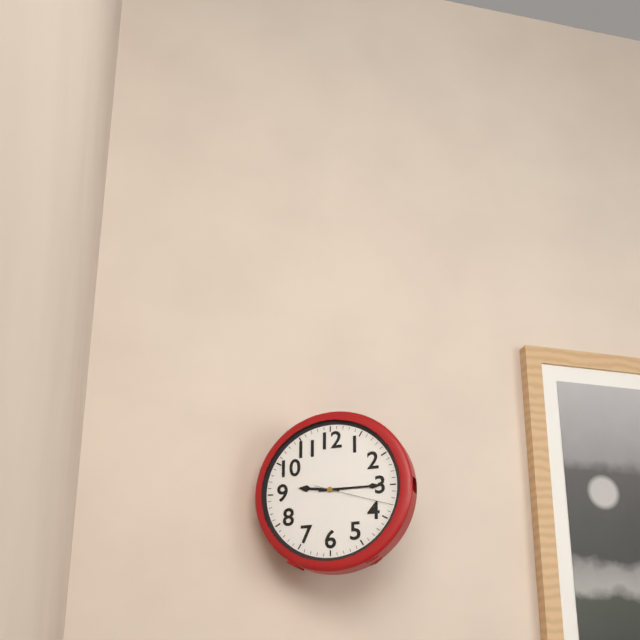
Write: 9:15:18
